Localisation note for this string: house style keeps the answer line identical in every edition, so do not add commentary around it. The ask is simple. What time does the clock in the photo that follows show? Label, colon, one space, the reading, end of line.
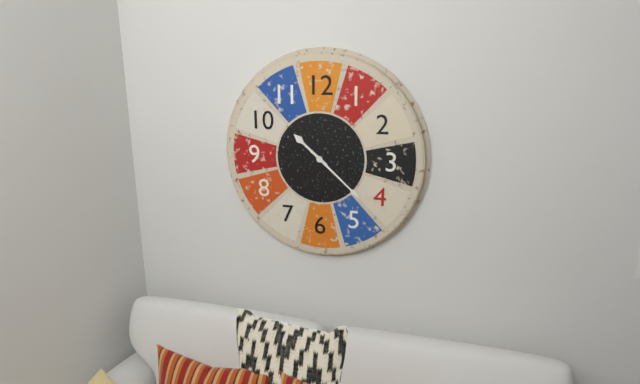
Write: 10:22
